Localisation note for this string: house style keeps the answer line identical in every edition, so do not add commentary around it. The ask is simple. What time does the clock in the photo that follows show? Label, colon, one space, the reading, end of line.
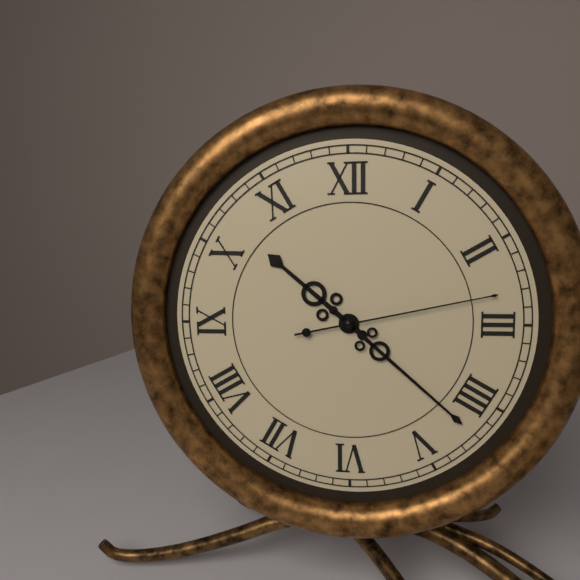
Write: 10:22:13
